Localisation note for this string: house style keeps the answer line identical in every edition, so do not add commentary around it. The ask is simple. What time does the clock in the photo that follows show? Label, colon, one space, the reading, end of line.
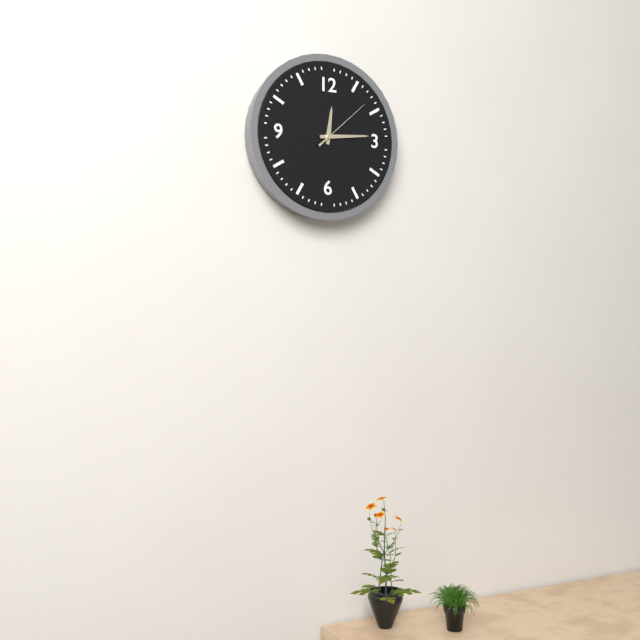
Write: 12:14:08
